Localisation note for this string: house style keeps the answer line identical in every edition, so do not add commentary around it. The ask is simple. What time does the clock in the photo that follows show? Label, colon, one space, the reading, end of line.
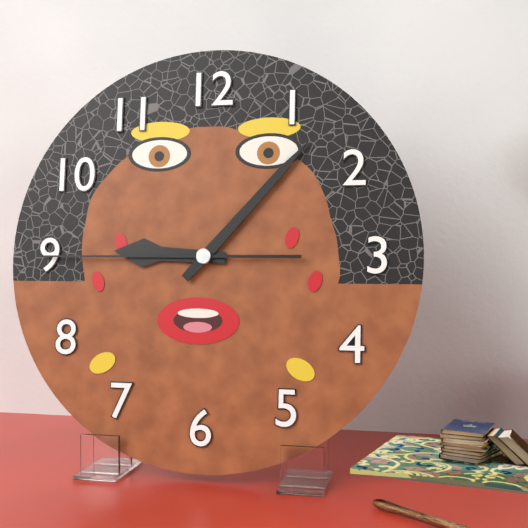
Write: 9:07:45
